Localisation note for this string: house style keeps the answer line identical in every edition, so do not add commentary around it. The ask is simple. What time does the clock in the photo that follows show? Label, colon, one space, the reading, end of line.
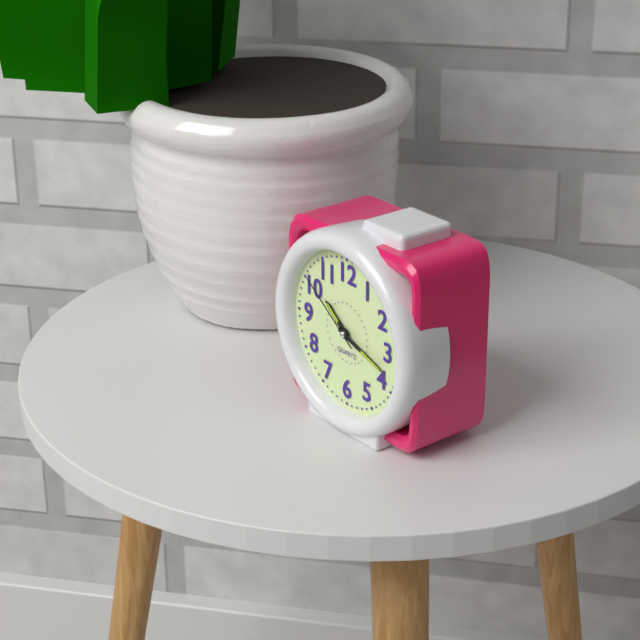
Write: 10:18:51
